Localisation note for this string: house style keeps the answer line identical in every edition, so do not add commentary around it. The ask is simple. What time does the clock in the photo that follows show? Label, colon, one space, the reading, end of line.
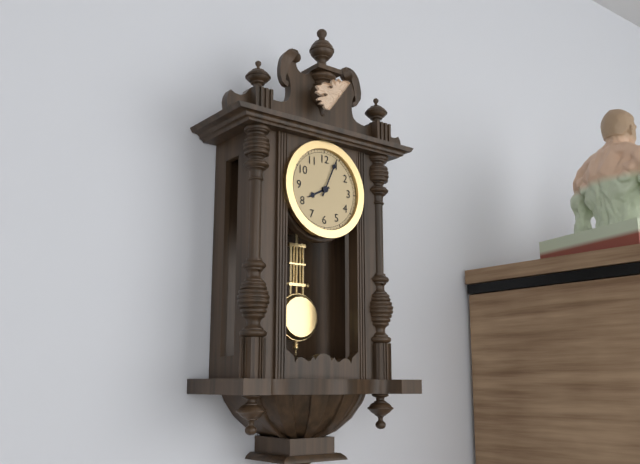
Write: 8:04
